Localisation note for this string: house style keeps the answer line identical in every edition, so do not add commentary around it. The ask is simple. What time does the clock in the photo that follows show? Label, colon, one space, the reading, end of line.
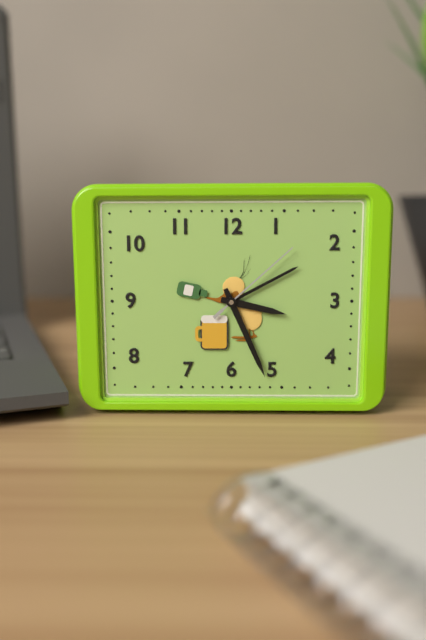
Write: 3:26:08
